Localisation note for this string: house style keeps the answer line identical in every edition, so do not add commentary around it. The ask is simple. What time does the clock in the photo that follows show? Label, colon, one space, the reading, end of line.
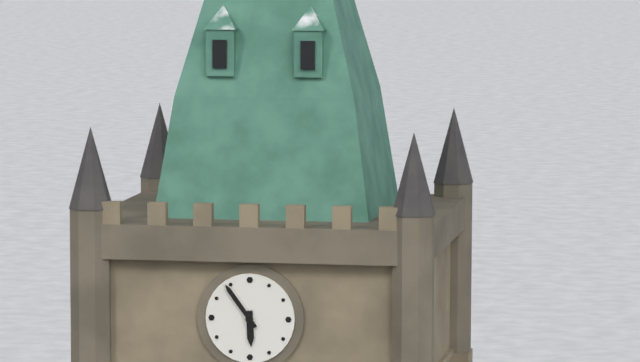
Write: 5:54
